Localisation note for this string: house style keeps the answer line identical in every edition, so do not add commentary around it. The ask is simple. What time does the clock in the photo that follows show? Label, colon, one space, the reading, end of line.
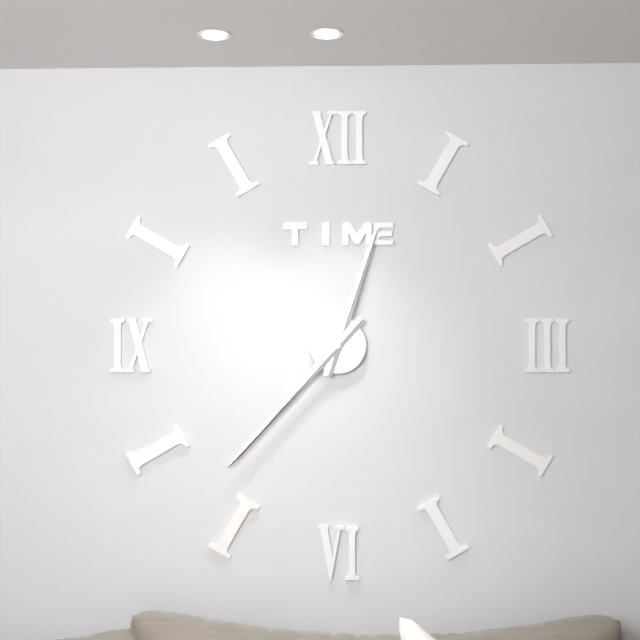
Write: 12:37
